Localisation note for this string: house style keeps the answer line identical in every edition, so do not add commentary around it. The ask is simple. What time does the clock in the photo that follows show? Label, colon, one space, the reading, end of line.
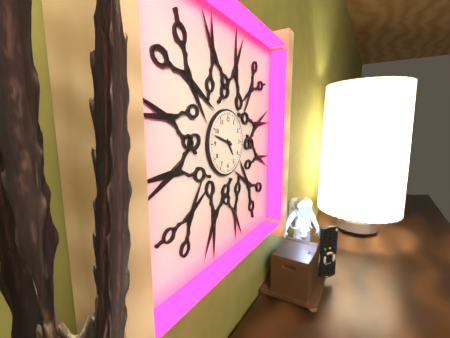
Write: 4:48
